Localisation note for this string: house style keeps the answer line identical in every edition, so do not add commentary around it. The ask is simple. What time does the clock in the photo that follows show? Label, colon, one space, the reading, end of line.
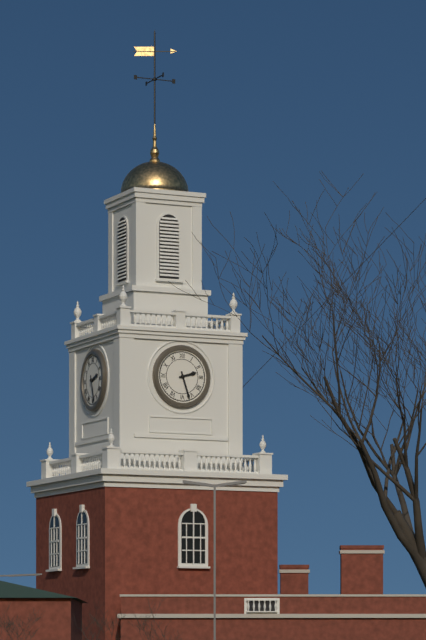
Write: 2:27
